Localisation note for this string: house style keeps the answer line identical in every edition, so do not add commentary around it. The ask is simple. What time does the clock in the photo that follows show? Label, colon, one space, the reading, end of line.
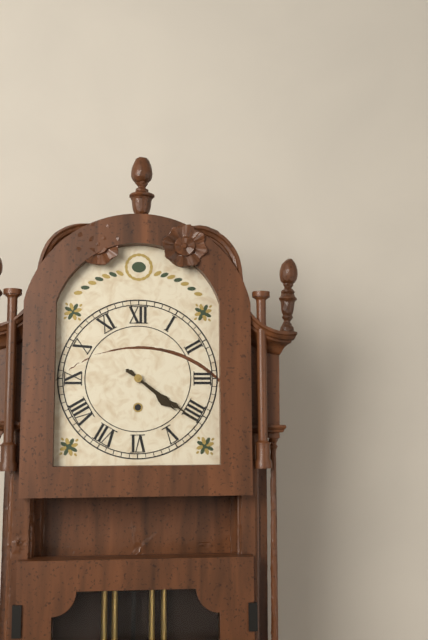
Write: 4:21
